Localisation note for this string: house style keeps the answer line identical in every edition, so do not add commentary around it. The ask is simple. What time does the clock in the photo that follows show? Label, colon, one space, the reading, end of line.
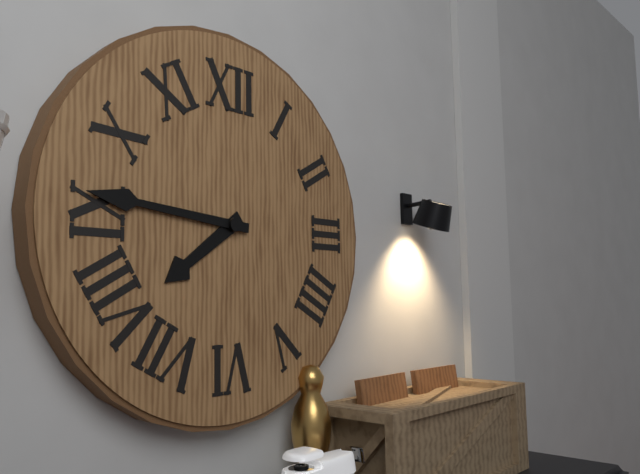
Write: 7:46
